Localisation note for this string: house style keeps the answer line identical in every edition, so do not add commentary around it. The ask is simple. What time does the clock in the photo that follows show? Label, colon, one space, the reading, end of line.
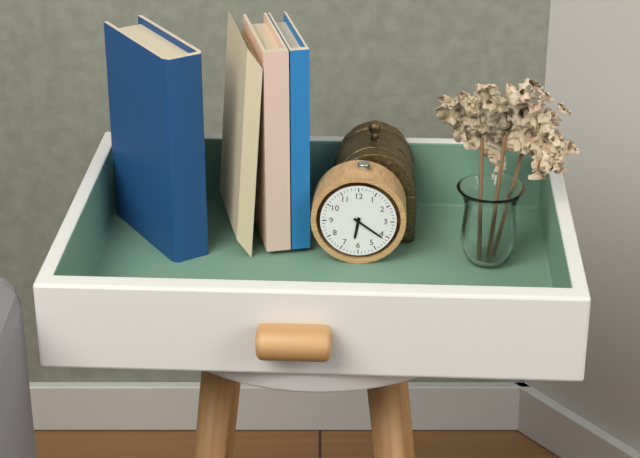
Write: 6:21
